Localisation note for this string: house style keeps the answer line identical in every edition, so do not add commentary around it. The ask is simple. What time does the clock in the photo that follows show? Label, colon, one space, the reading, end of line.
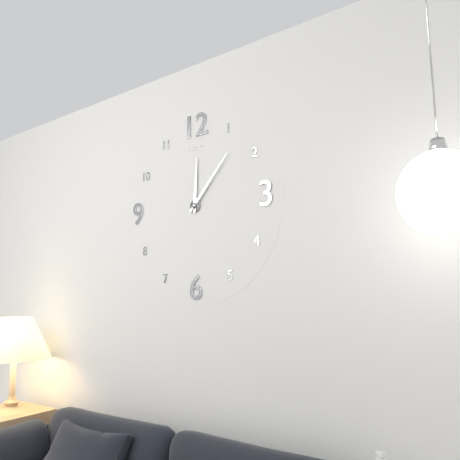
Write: 12:07
